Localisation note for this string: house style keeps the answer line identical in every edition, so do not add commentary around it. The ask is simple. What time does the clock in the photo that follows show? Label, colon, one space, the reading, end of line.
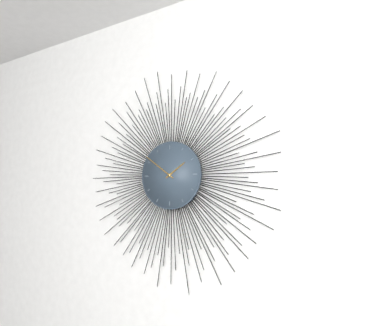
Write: 1:51
